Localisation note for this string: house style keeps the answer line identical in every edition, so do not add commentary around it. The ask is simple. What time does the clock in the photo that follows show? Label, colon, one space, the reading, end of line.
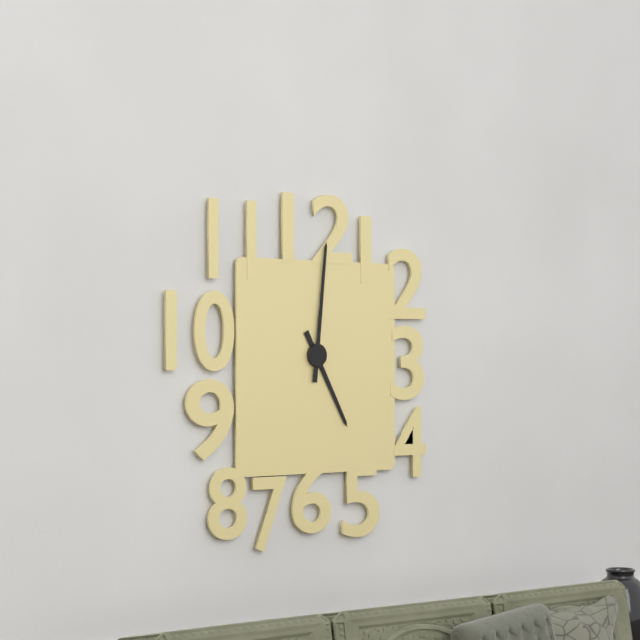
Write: 5:01
